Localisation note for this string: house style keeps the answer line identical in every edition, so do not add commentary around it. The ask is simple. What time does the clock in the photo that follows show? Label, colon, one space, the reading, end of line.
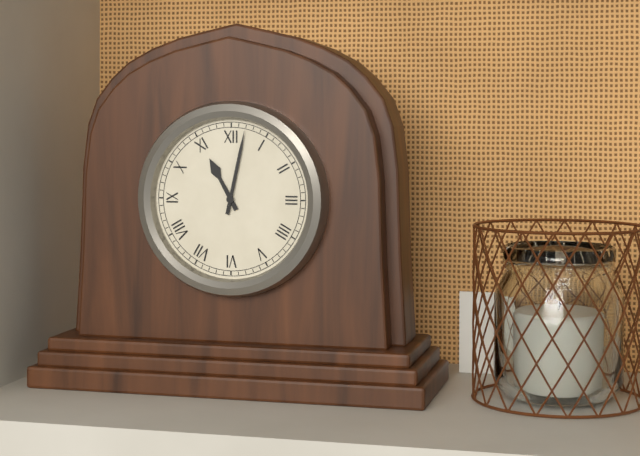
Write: 11:02
